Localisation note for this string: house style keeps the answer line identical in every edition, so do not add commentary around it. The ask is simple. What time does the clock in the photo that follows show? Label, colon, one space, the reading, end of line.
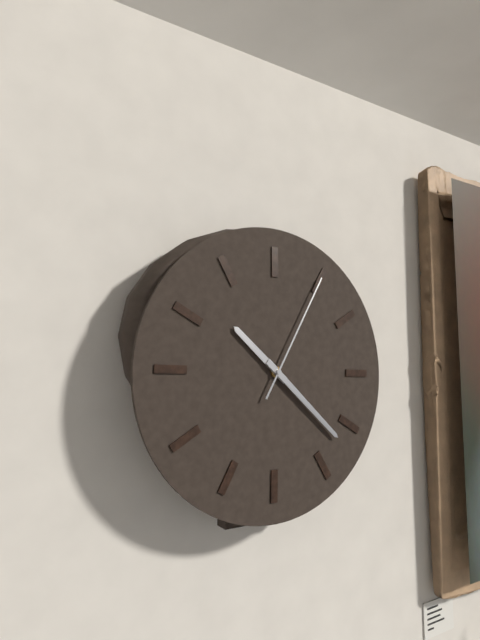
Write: 10:22:05
